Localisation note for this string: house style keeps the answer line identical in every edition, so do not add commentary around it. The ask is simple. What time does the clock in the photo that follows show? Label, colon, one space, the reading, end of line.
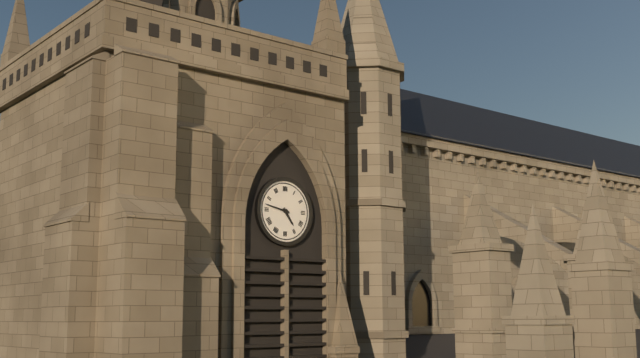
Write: 4:47
